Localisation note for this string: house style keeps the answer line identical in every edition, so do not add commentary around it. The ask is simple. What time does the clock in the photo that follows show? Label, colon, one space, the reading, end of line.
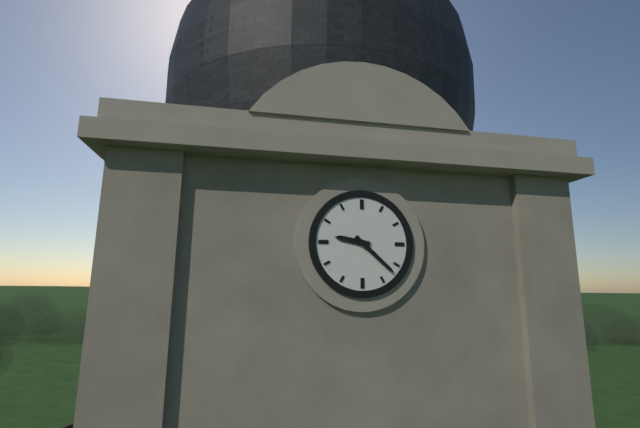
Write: 9:22
